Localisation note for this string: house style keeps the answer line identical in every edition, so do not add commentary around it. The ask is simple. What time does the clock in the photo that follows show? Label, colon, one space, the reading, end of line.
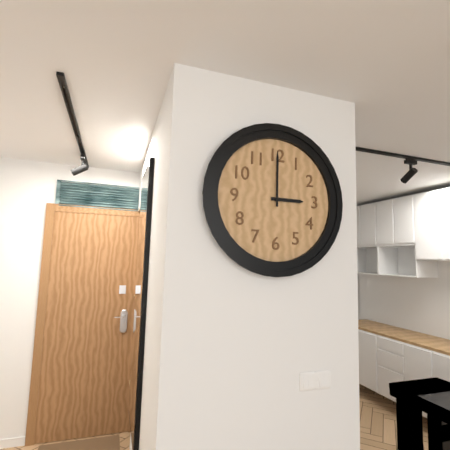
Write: 3:00
